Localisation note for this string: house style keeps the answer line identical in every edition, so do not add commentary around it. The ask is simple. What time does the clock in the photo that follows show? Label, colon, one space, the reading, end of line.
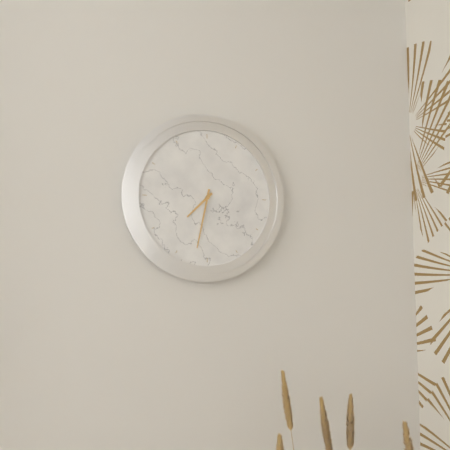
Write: 7:32
